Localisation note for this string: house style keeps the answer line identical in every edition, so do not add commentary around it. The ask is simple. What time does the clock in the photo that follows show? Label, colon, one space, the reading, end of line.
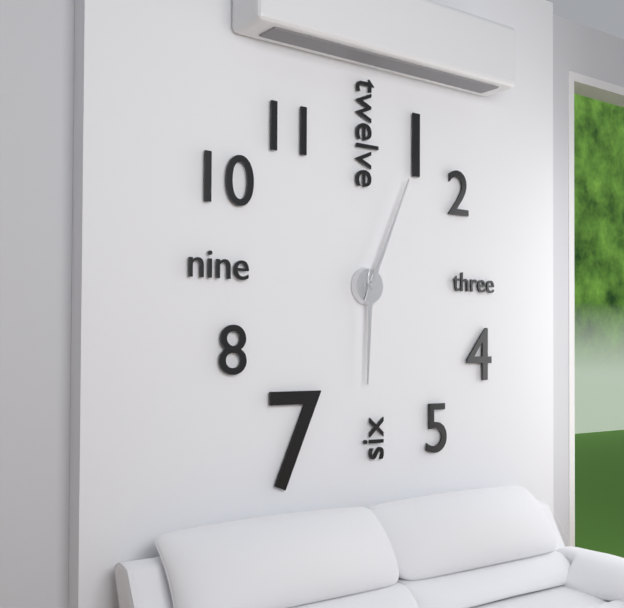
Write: 6:04
